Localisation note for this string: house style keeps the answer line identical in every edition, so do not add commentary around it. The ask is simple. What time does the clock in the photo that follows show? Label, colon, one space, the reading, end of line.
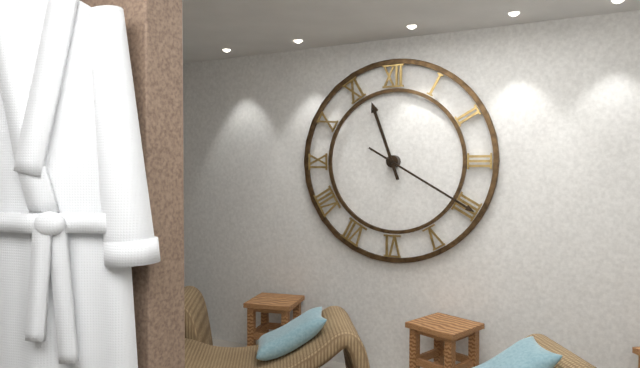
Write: 11:20
